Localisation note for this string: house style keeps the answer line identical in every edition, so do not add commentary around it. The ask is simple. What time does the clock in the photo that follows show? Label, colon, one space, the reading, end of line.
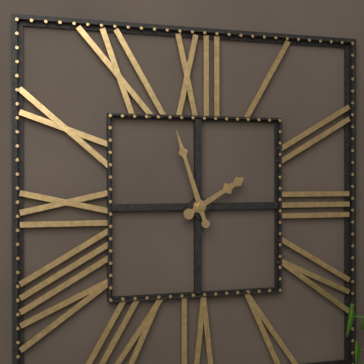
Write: 1:57
